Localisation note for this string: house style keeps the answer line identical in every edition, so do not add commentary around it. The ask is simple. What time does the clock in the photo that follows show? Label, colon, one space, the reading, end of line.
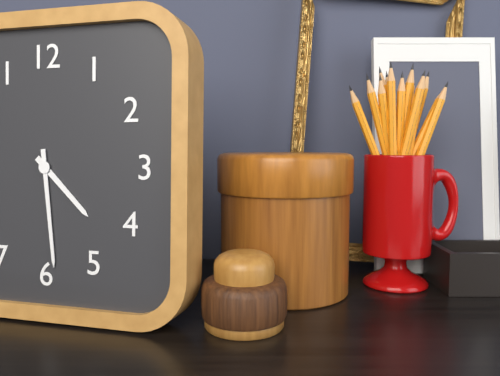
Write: 4:29
